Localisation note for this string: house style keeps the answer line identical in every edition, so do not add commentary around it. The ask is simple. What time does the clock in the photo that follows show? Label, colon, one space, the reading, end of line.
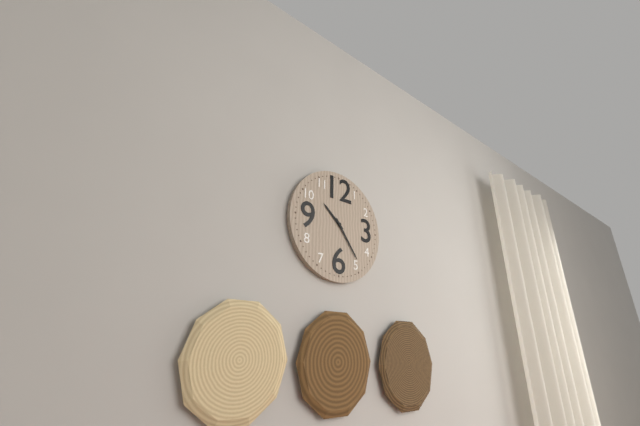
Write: 10:24
